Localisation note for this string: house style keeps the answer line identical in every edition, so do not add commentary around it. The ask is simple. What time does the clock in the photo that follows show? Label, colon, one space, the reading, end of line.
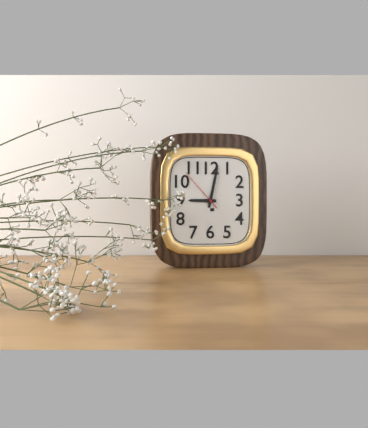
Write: 9:02
